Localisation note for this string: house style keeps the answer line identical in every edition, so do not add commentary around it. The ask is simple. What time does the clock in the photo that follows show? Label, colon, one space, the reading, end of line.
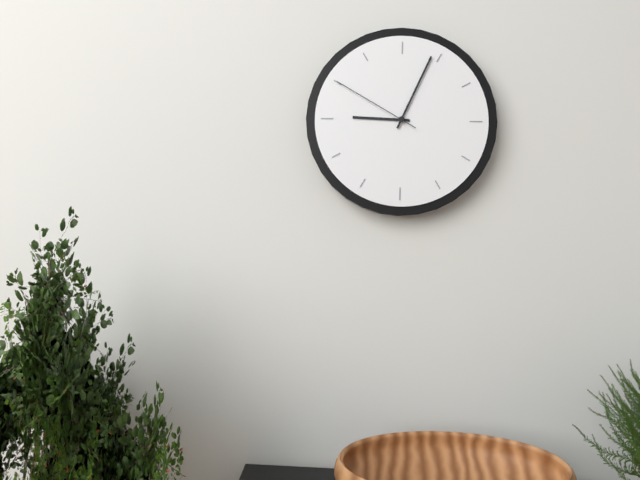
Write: 9:04:50
